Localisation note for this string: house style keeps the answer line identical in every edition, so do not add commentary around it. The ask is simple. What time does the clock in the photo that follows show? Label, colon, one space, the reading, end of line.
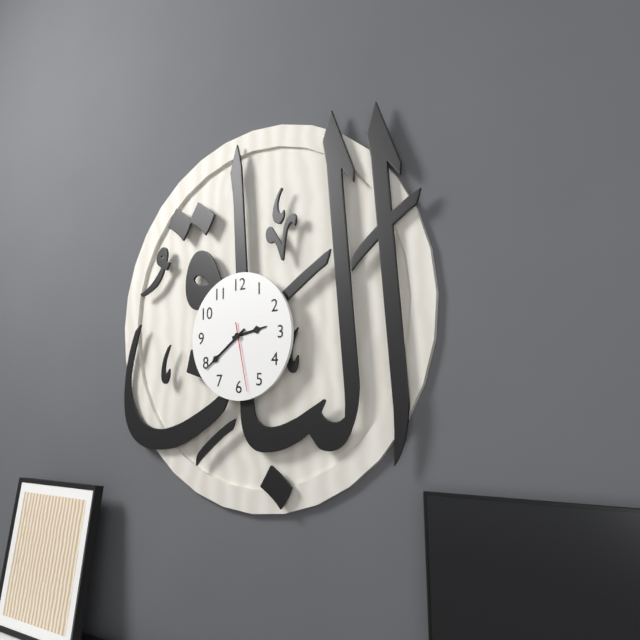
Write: 2:39:28
